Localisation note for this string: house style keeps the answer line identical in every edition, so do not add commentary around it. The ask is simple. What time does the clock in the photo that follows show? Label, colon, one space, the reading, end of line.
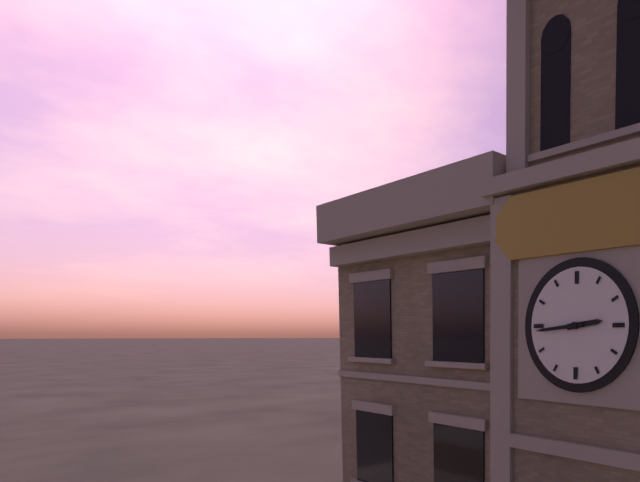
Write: 2:44
